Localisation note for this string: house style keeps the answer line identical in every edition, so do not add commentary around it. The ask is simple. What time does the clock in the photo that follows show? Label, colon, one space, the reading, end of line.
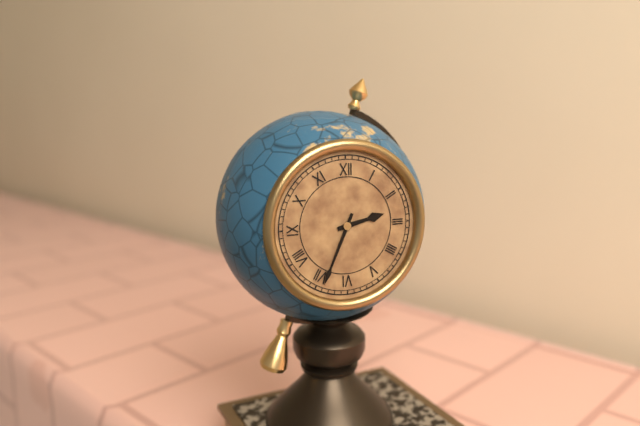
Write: 2:34
